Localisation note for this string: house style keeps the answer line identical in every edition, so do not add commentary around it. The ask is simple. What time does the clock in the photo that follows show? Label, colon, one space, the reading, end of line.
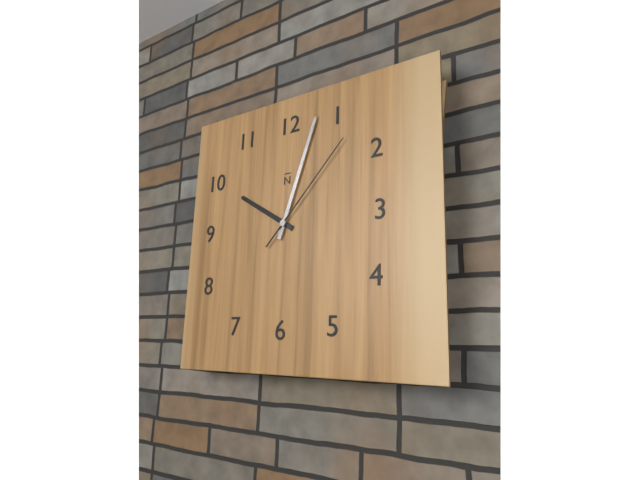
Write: 10:03:07
